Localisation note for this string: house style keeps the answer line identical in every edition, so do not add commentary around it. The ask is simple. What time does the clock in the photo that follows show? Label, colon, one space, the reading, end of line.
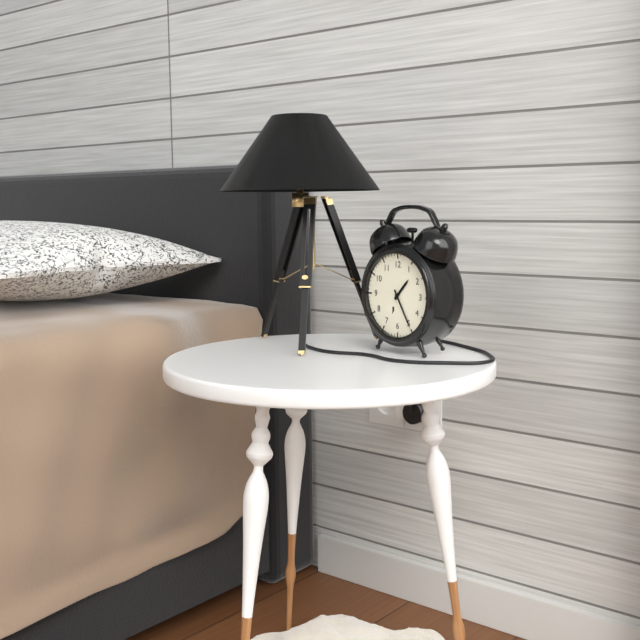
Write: 1:25
